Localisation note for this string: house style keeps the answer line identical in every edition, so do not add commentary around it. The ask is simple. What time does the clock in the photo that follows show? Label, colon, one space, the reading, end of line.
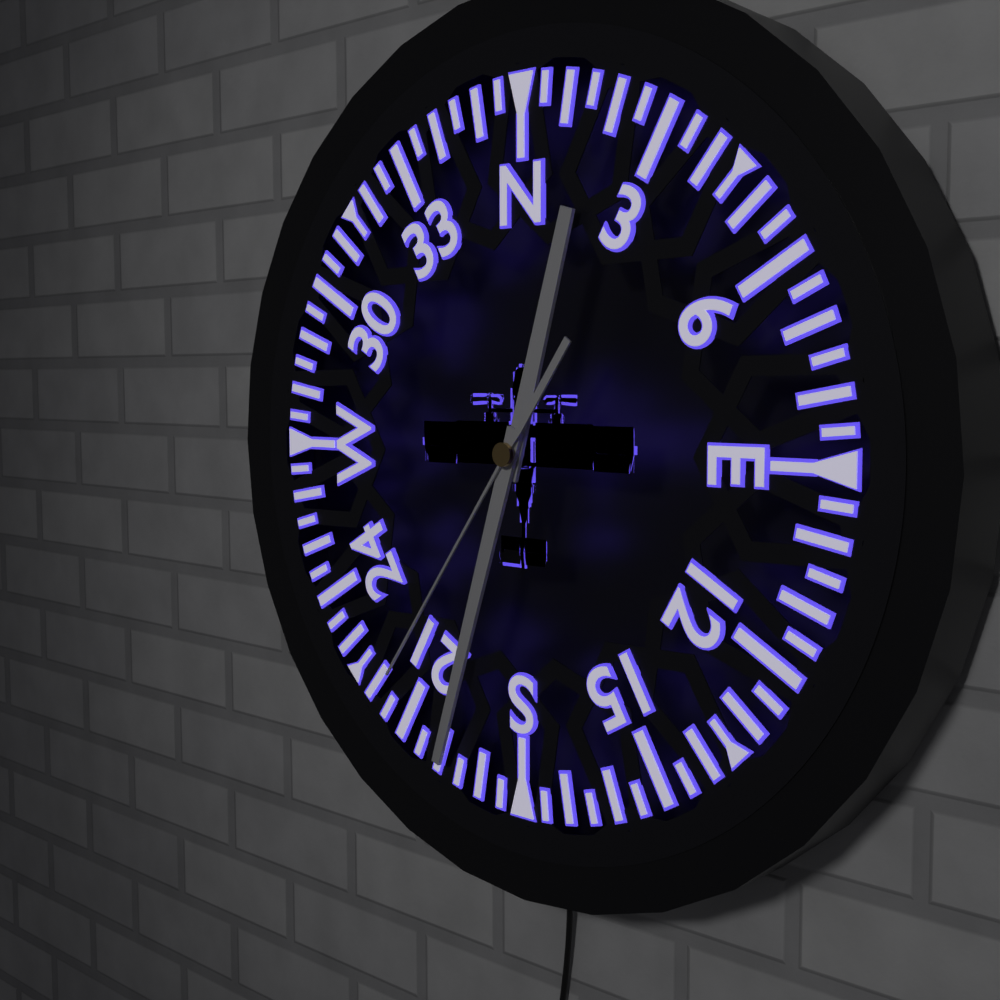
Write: 12:33:36
